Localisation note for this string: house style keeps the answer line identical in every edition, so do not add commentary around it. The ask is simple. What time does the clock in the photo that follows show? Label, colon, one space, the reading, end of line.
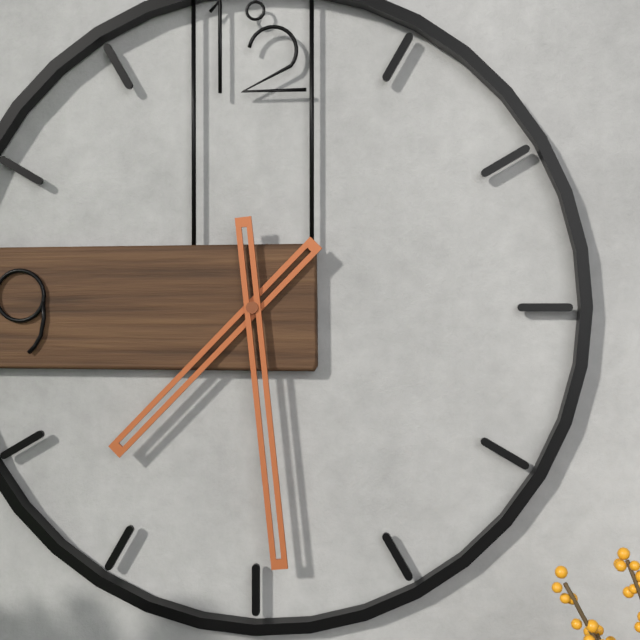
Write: 7:29
